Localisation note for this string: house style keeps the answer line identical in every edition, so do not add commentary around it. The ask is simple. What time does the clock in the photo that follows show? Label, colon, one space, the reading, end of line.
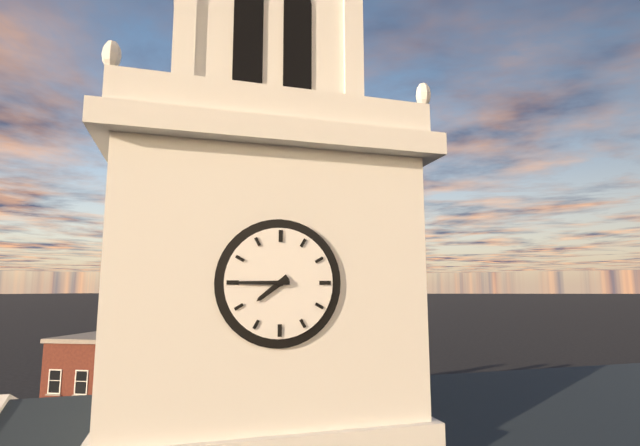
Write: 7:45
